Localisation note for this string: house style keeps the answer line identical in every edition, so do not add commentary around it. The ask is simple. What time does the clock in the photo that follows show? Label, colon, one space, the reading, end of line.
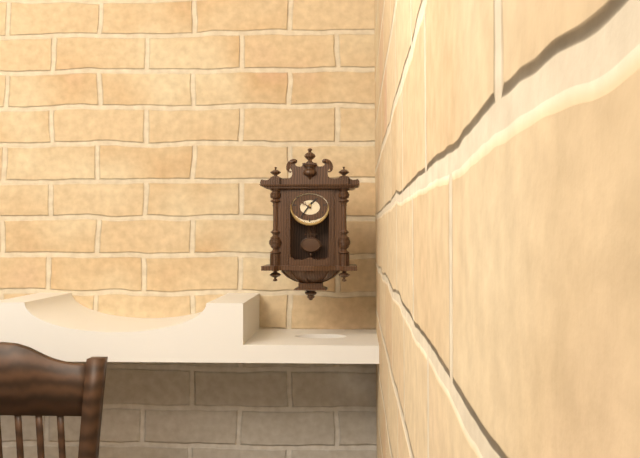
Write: 1:36
